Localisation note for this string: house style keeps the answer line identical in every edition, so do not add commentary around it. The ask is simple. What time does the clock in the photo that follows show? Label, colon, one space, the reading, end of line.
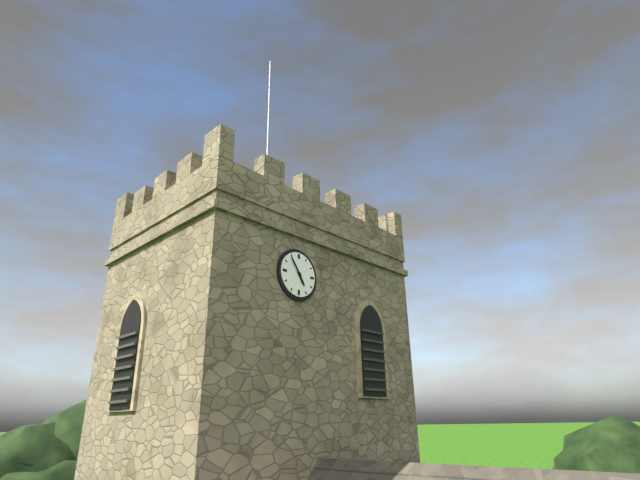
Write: 4:54
